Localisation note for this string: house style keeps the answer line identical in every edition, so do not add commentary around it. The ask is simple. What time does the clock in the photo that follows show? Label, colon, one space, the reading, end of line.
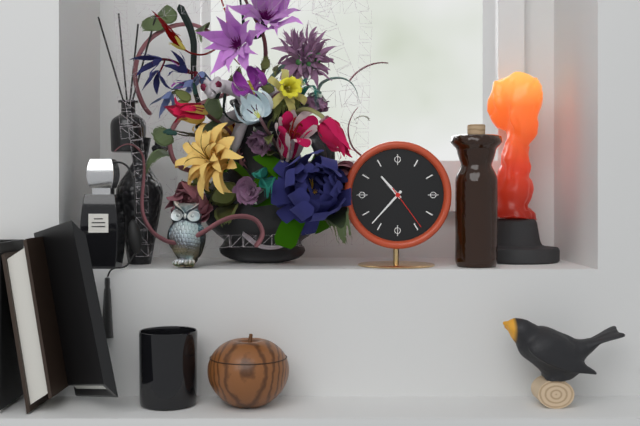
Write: 10:37:24
